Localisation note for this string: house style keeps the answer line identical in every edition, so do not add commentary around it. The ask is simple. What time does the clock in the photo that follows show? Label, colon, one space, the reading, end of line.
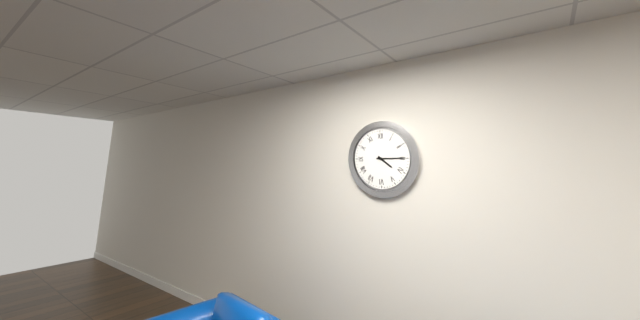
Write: 4:15
